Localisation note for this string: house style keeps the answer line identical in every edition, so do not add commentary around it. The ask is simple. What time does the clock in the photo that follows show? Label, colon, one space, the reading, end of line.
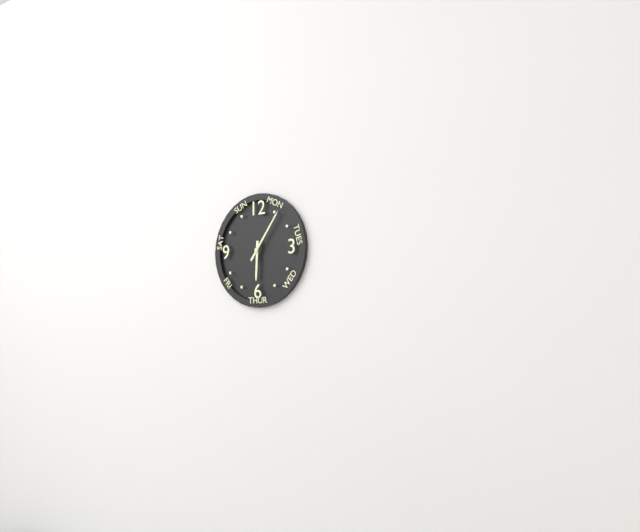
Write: 6:06
